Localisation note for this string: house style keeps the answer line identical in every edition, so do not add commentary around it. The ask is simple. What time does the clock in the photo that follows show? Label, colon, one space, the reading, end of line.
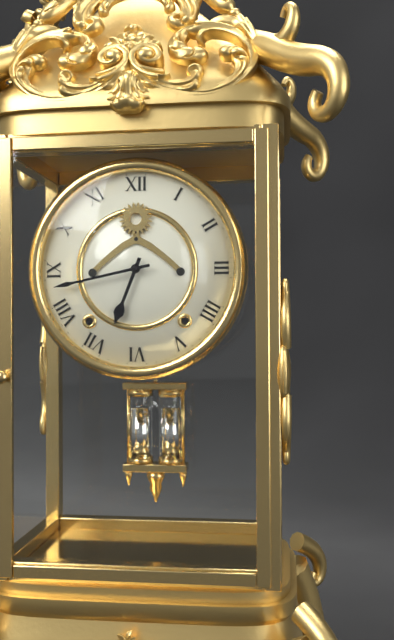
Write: 6:43
